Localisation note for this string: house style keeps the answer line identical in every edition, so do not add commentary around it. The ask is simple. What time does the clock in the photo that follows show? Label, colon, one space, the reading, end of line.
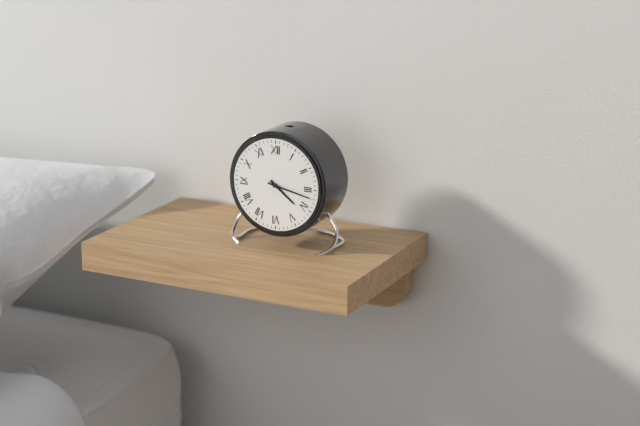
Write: 4:17
